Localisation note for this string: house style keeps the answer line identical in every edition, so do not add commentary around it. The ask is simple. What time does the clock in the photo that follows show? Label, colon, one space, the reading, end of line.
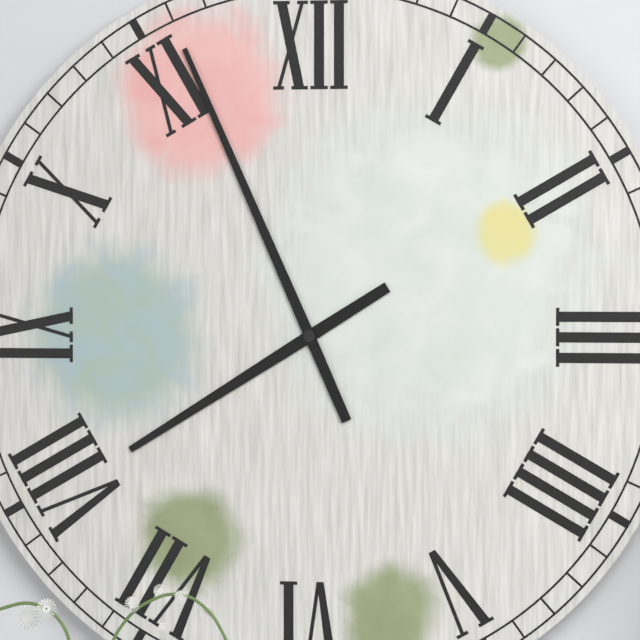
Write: 7:56
